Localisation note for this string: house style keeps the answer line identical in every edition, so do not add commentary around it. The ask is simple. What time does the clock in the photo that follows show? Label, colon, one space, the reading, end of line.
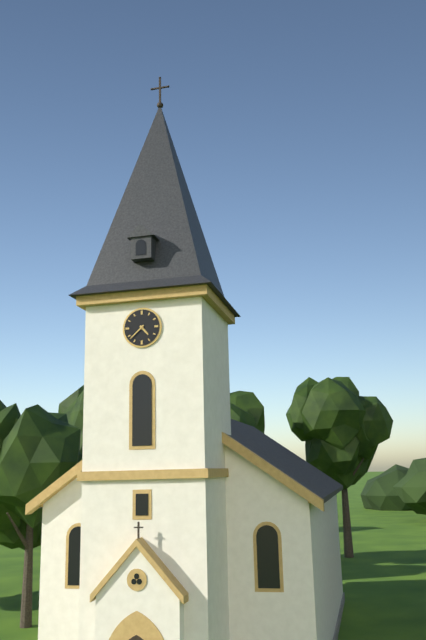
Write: 4:38
